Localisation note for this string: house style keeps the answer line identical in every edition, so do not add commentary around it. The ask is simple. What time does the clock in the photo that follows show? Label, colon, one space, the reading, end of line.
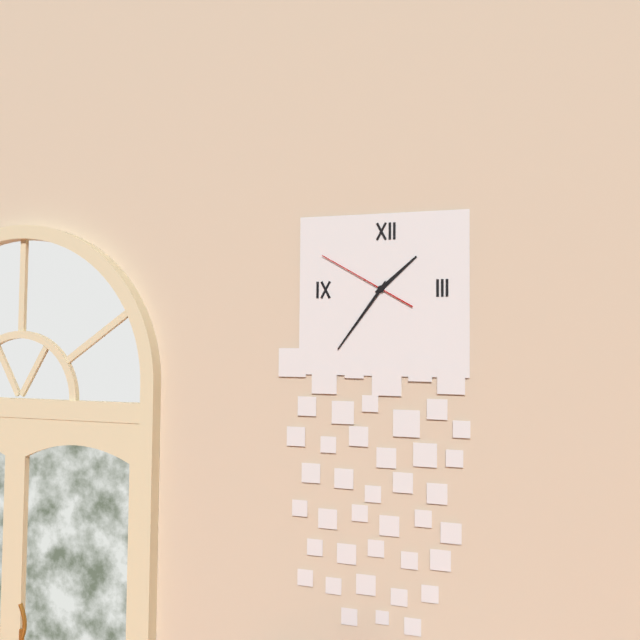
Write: 1:36:50
